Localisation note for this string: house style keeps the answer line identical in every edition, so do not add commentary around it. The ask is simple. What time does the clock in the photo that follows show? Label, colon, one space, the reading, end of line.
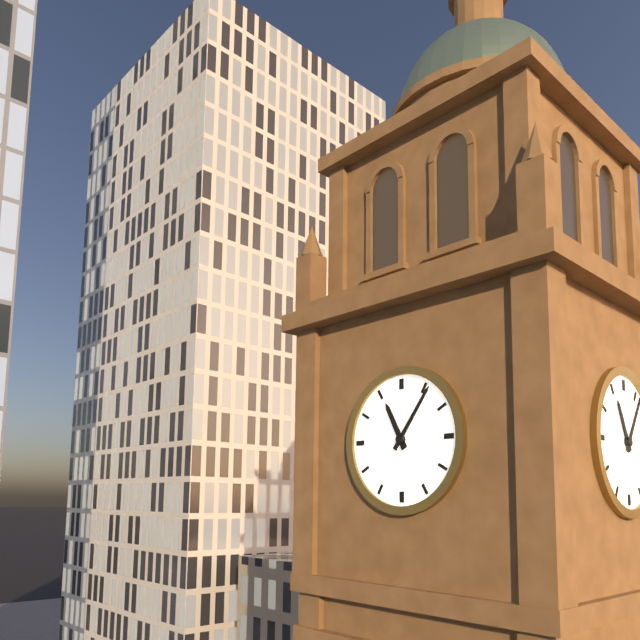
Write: 11:06
